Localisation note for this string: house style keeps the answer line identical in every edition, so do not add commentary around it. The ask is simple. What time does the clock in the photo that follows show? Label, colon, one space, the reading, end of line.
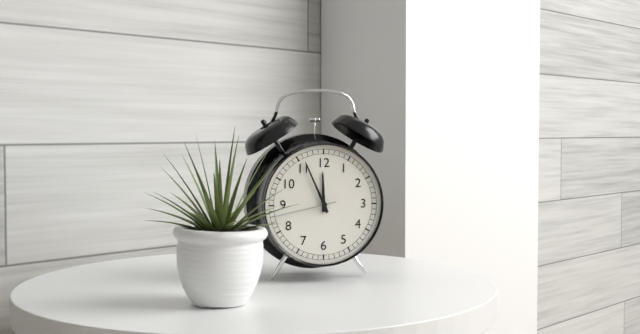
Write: 11:56:43
